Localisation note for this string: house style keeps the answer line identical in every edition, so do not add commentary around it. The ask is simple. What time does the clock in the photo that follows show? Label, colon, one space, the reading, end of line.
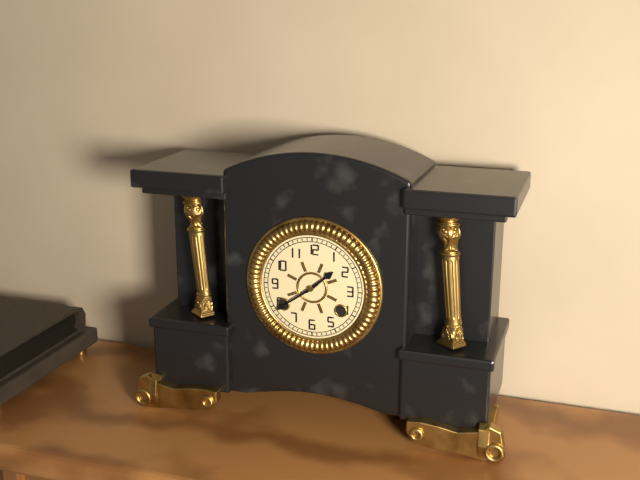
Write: 1:39
